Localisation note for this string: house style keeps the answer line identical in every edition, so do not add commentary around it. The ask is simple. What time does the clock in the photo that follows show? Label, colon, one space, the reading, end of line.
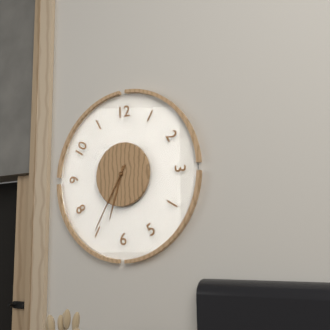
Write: 6:35
